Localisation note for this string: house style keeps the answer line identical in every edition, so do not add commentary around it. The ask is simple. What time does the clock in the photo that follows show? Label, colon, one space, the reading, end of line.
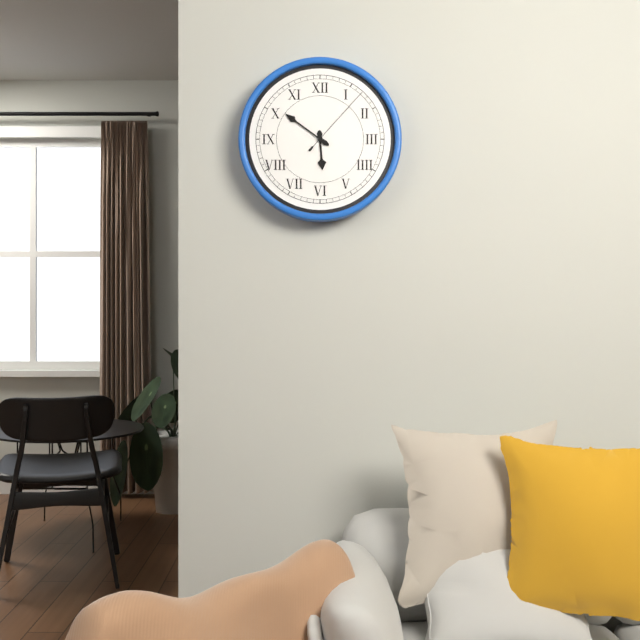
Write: 5:51:07
